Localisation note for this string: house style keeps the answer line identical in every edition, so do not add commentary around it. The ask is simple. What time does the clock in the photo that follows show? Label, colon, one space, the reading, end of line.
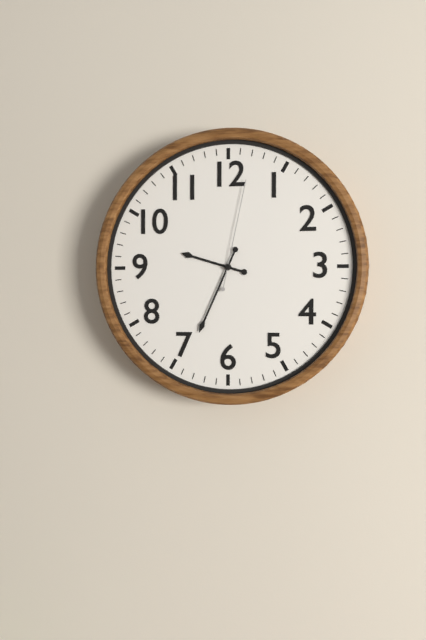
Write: 9:34:02
